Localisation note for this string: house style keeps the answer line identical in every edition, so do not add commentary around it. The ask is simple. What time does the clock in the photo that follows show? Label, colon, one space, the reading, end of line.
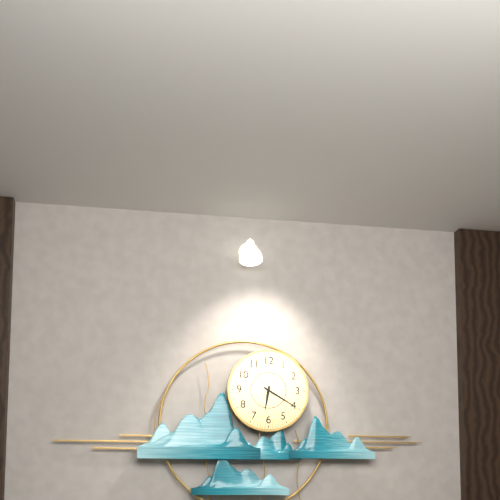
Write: 6:20
